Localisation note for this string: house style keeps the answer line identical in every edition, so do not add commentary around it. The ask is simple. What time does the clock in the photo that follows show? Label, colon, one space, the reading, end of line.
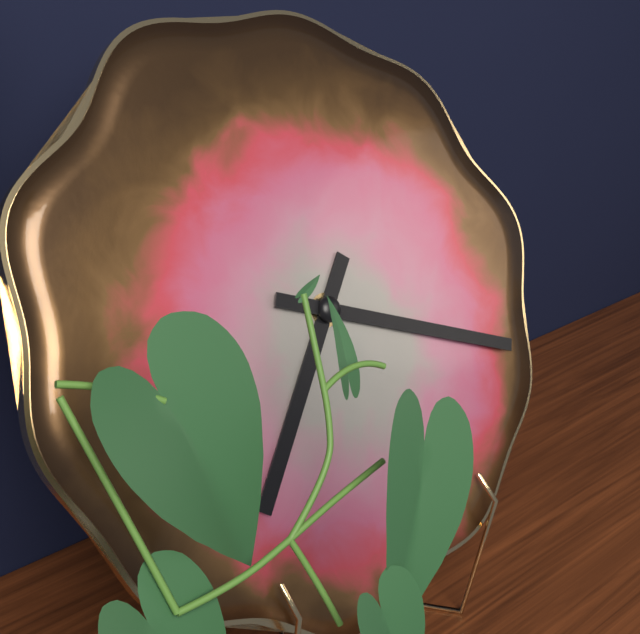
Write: 7:19
